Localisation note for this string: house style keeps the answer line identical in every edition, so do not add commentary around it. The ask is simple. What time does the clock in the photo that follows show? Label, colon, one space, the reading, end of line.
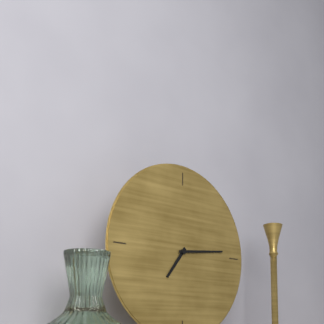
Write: 7:14
